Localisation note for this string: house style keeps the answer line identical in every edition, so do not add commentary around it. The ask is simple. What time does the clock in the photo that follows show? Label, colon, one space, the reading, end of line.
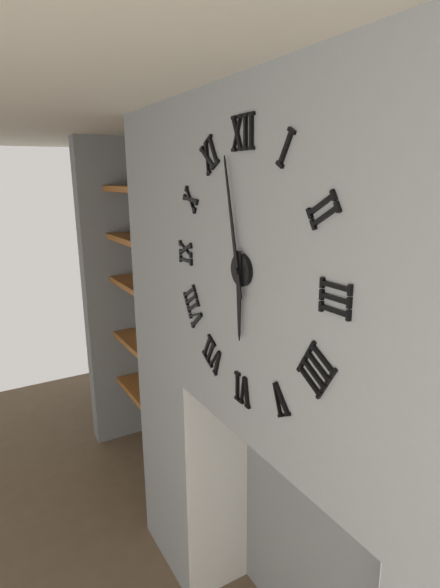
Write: 5:58
